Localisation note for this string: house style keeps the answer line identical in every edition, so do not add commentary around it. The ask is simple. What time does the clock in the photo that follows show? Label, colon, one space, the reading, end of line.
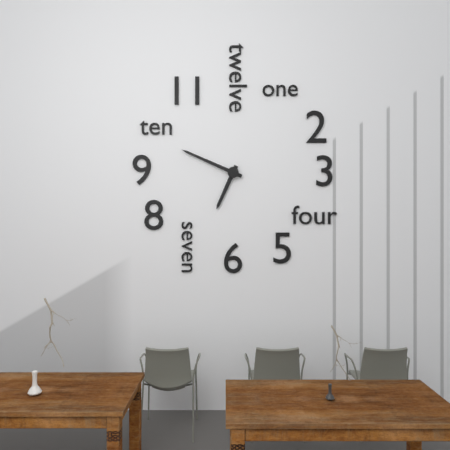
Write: 6:49
